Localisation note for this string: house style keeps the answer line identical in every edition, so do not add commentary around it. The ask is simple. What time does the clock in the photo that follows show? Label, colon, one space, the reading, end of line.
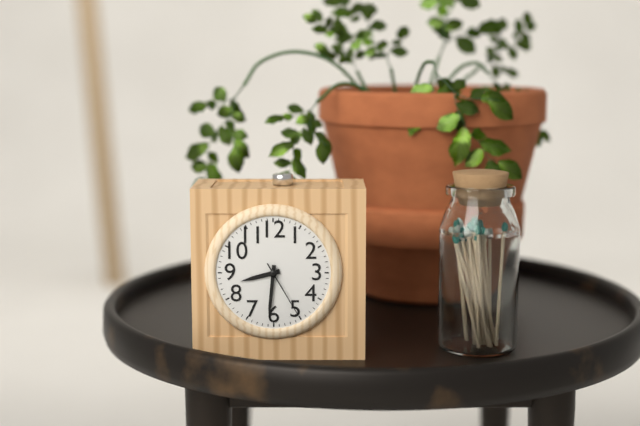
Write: 8:31:25
